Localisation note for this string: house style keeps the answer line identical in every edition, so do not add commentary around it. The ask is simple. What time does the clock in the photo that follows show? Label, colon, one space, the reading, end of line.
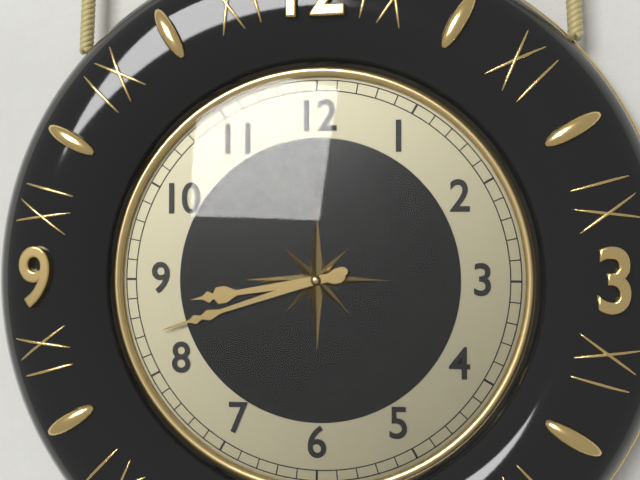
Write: 8:42
